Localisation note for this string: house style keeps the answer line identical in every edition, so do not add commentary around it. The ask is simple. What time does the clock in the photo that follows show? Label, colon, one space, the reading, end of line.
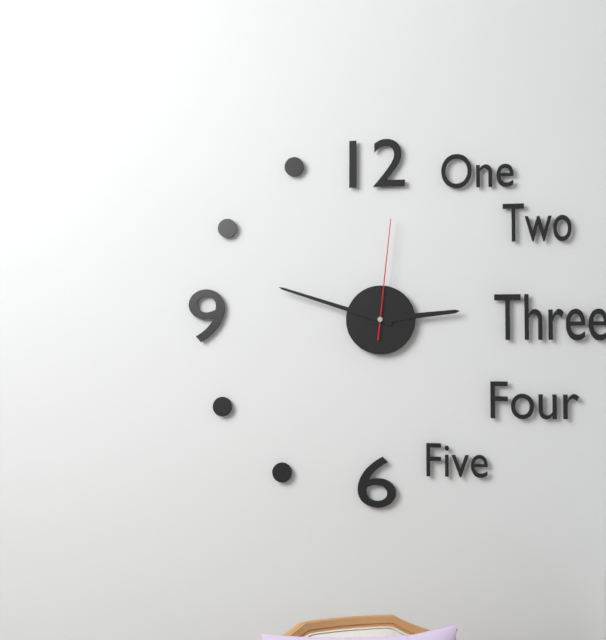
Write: 2:48:01
